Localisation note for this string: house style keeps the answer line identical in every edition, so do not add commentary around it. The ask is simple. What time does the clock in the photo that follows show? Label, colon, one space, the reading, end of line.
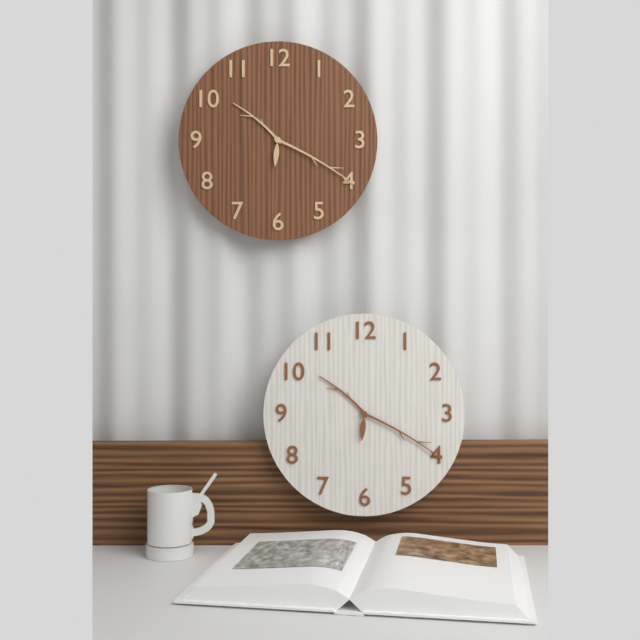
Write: 10:20
